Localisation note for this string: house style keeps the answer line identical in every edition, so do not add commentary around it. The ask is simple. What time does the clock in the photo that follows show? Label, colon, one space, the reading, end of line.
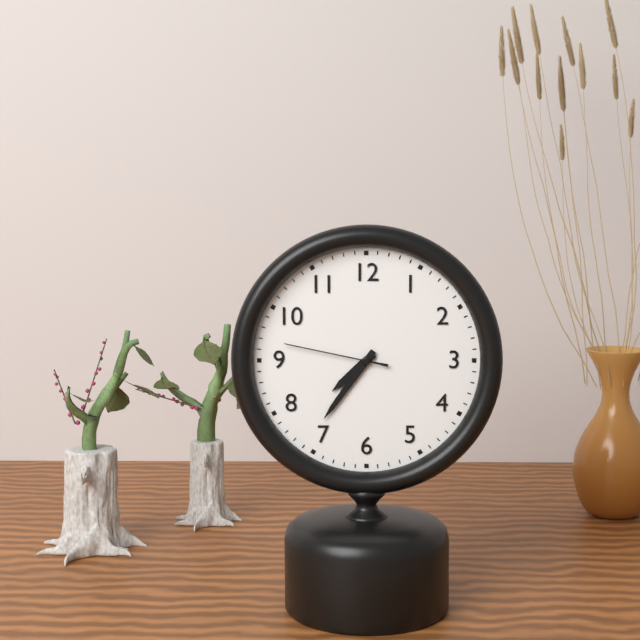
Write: 7:36:47
